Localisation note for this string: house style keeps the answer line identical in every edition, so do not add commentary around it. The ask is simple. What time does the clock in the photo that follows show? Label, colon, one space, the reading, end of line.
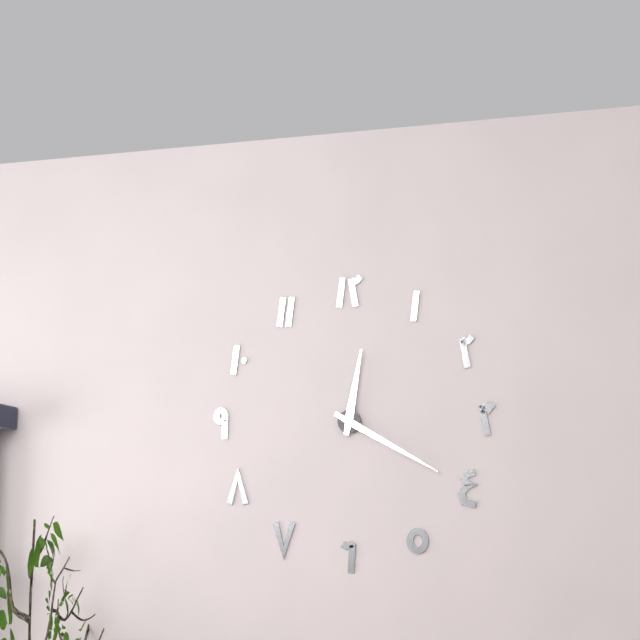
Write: 12:20
